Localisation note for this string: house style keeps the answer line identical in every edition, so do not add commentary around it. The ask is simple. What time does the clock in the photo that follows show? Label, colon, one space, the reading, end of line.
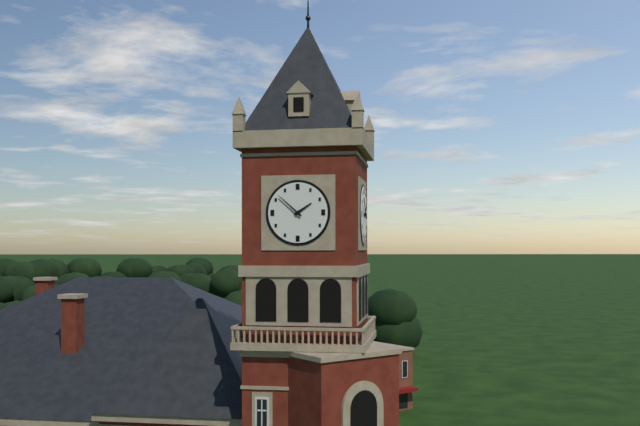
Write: 1:52
